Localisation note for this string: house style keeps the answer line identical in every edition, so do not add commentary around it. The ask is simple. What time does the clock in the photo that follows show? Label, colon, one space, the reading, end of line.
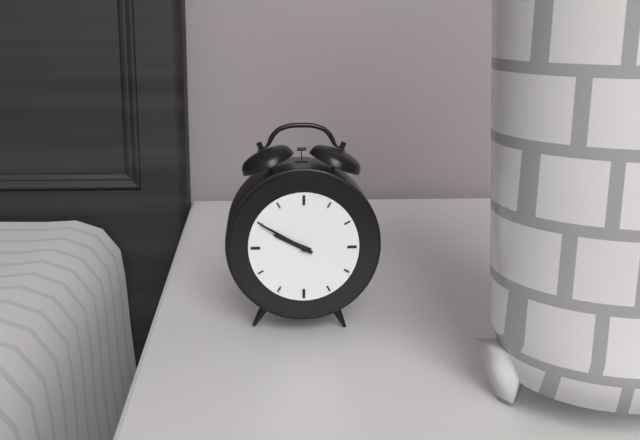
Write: 9:50
